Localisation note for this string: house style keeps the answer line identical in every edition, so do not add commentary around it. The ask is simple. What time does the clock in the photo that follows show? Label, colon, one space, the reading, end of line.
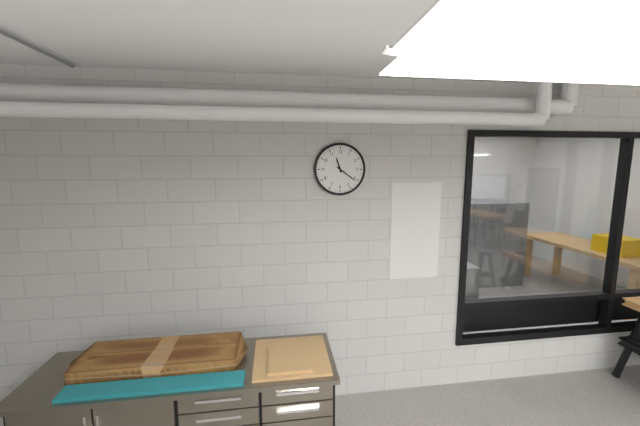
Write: 11:21
